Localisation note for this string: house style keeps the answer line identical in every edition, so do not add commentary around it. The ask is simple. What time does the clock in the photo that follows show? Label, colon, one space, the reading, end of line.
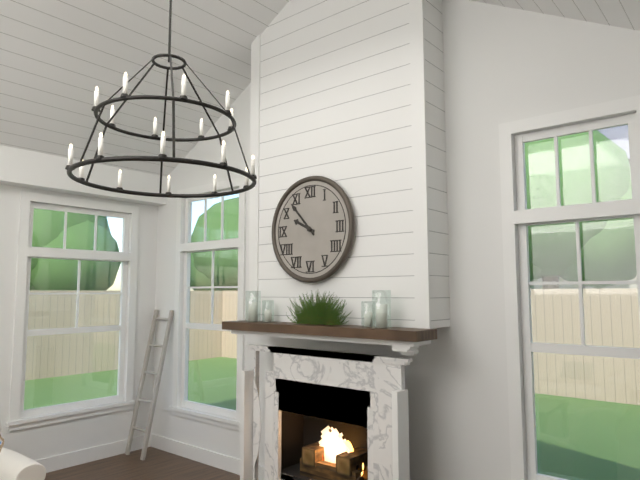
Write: 9:53
